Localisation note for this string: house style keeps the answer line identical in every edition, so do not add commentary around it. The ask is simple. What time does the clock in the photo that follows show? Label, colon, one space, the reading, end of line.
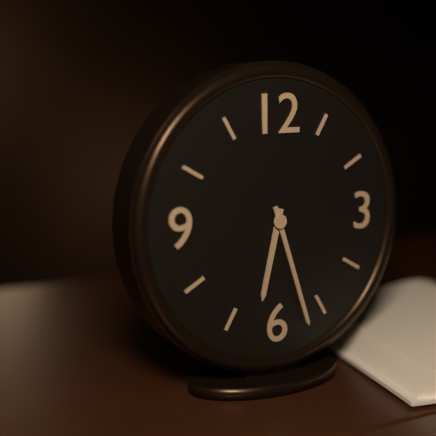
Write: 6:27
